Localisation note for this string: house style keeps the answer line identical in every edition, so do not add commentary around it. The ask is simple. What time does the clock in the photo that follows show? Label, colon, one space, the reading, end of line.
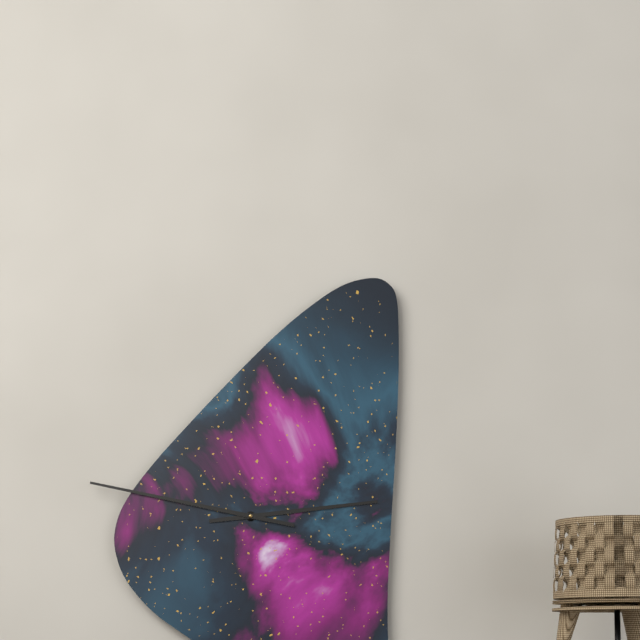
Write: 2:47
